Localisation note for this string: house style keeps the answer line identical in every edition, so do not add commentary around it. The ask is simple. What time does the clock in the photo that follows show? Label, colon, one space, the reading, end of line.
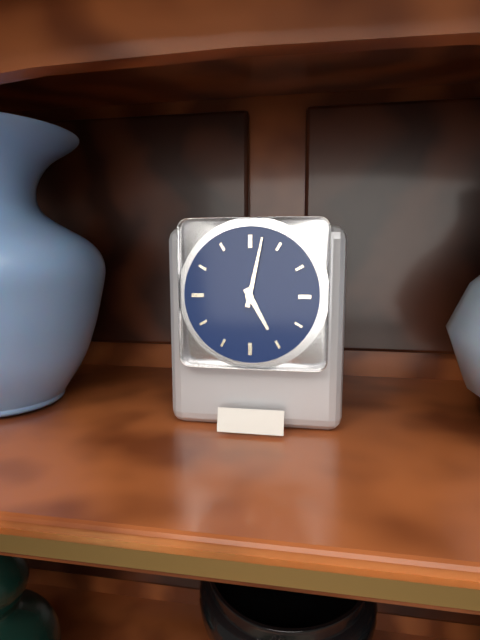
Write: 5:02
